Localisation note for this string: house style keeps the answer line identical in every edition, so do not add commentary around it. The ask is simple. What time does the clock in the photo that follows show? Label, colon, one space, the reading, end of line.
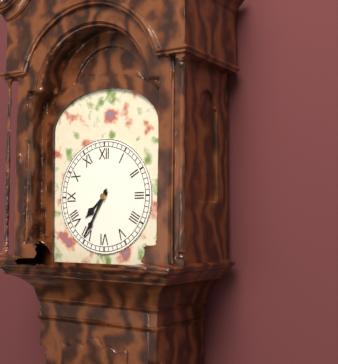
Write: 7:35
